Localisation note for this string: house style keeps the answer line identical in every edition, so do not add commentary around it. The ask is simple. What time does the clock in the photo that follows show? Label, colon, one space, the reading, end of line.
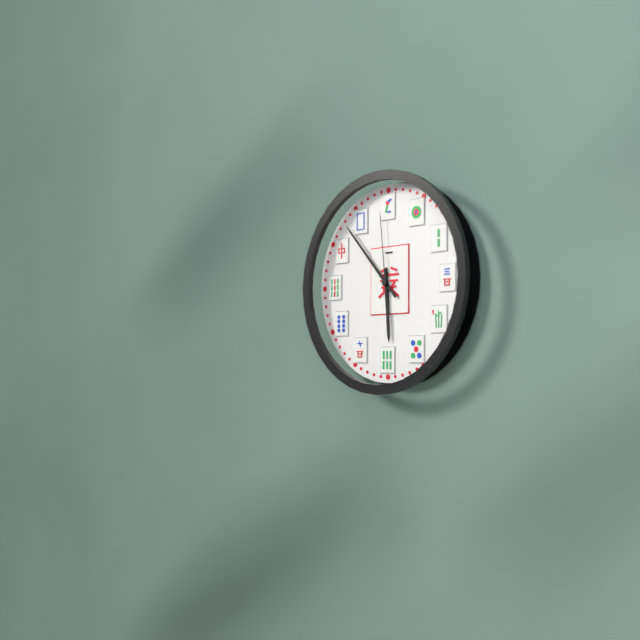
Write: 5:53:59
